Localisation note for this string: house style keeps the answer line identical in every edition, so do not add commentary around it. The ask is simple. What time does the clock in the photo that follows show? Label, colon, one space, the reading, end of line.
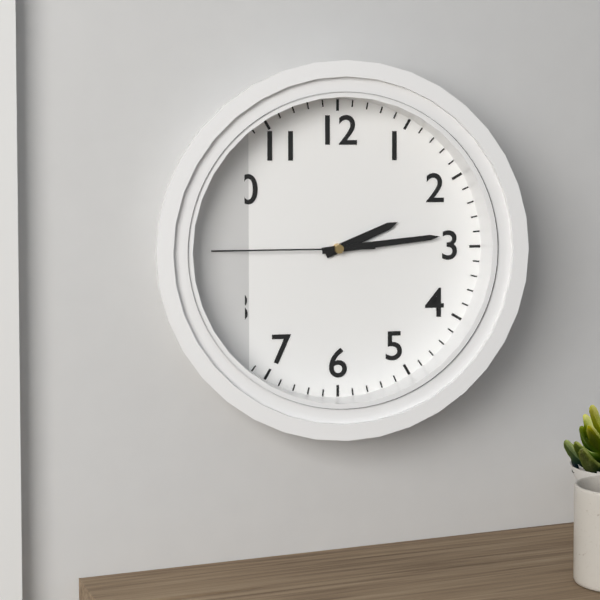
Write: 2:14:45
